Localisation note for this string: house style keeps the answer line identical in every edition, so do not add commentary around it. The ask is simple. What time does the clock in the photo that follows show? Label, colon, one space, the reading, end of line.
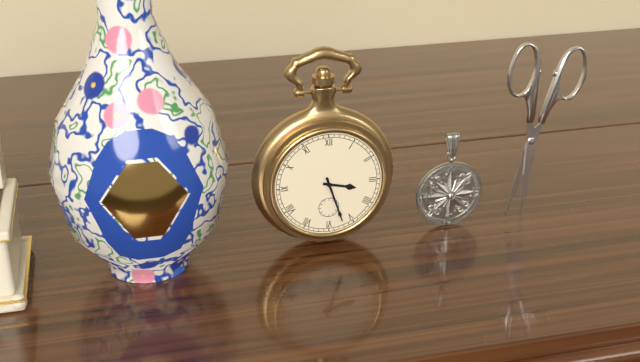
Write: 3:27
